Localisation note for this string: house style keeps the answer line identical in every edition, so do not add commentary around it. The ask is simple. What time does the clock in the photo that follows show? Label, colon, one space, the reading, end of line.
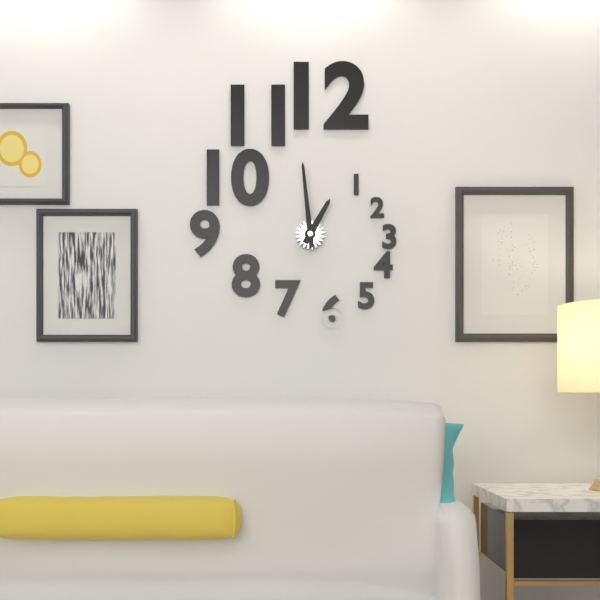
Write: 12:59
